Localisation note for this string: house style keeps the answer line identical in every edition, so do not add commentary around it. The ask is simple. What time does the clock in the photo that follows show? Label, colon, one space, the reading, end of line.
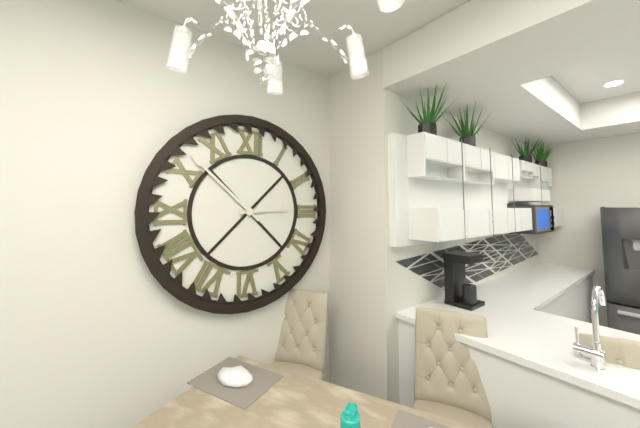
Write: 2:52
